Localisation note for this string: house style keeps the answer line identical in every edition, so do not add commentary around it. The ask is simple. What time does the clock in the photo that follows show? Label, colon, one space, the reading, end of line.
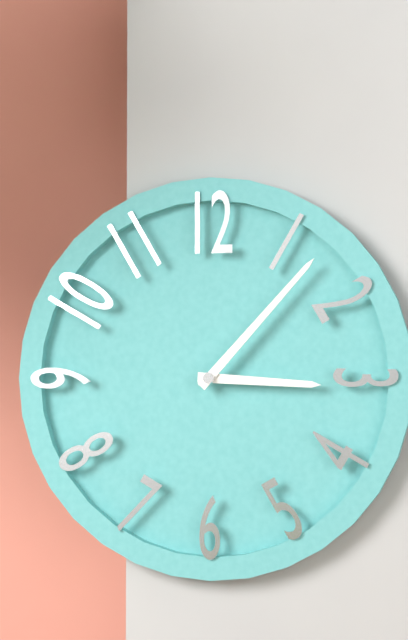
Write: 3:07
